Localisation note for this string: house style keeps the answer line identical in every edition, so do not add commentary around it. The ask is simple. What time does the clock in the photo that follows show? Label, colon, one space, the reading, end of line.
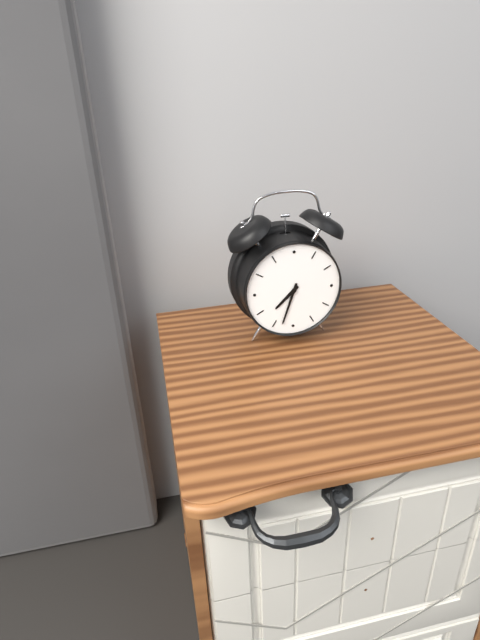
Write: 7:33
